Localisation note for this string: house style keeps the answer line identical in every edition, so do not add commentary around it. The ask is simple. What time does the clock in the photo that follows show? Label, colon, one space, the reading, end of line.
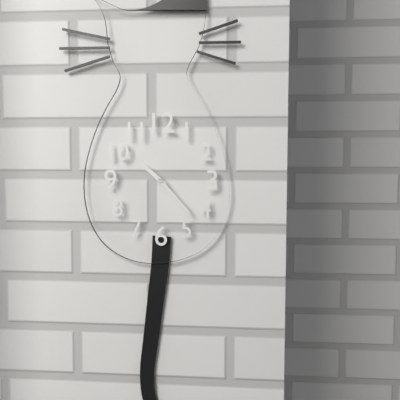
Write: 10:23
